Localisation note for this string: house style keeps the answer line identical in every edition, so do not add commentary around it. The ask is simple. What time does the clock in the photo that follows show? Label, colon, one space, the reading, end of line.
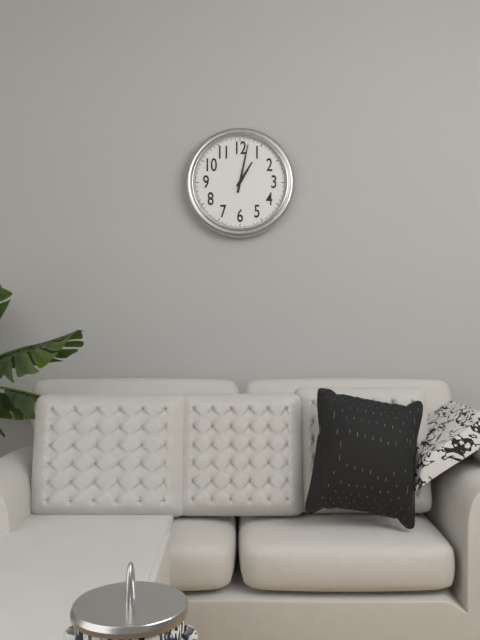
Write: 1:02
